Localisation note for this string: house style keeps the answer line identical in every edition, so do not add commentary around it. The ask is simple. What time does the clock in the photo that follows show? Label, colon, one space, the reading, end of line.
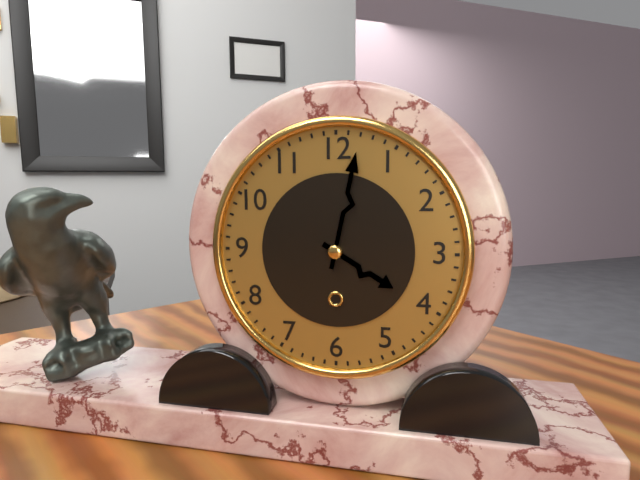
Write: 4:02
